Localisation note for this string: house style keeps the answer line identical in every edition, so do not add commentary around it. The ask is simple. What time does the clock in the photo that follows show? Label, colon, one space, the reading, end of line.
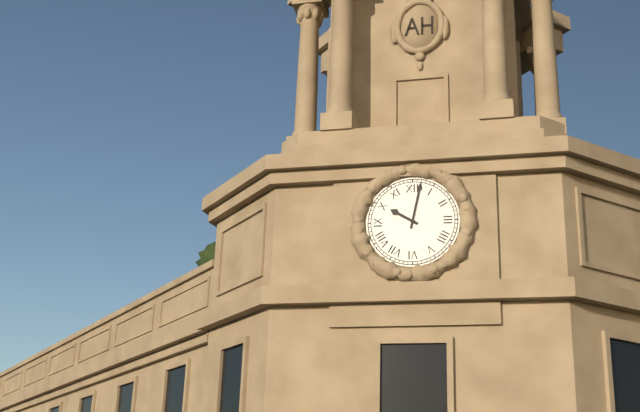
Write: 10:02
